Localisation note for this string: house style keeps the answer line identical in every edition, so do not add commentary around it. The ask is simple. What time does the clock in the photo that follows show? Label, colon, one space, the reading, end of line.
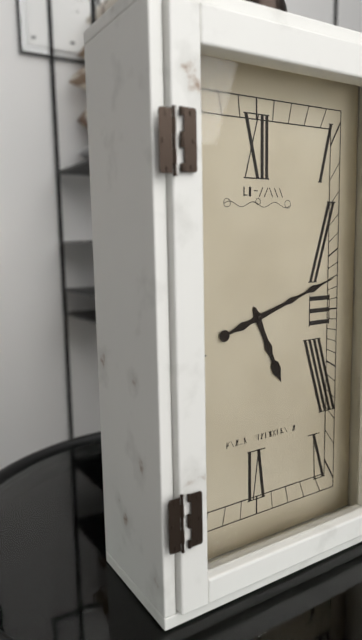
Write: 5:12
